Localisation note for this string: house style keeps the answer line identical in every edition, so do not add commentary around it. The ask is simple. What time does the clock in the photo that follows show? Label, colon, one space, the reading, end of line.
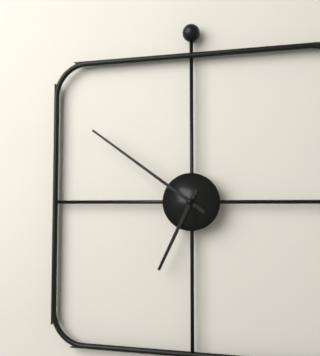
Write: 6:51
